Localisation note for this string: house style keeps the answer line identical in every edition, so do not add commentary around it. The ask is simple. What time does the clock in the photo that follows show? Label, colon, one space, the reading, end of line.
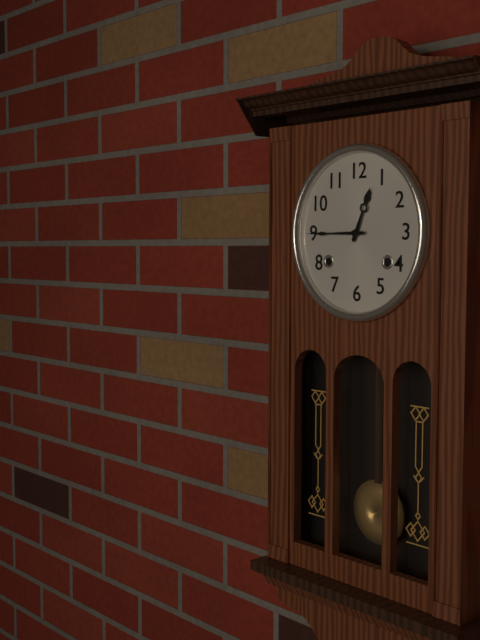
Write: 12:45
